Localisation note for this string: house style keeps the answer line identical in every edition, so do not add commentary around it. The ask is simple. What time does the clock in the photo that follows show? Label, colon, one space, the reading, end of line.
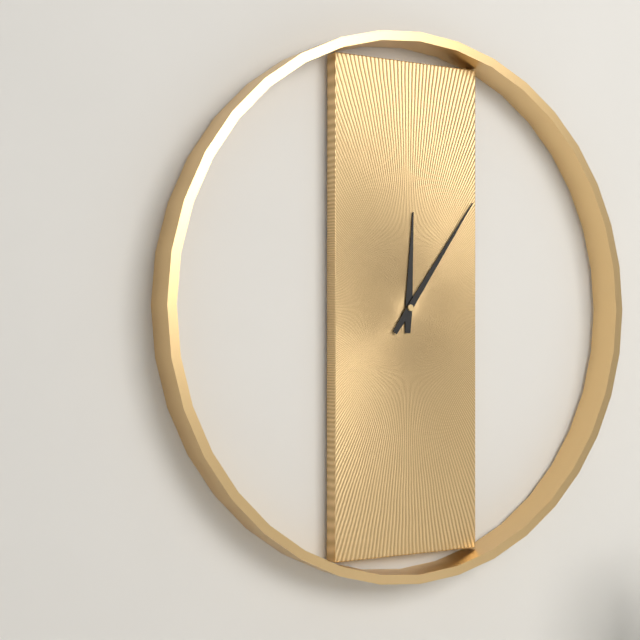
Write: 12:06
